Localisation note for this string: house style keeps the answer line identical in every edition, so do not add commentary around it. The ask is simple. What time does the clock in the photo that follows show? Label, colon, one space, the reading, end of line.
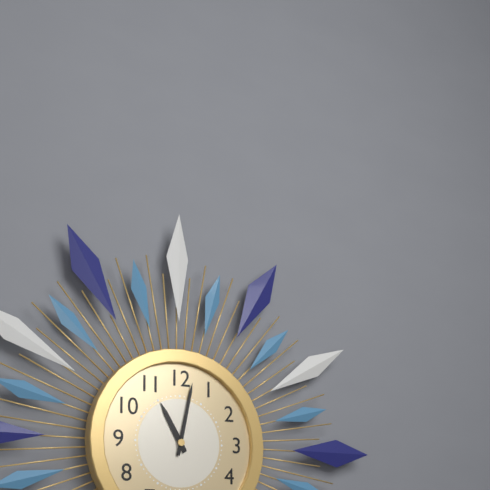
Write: 11:02
